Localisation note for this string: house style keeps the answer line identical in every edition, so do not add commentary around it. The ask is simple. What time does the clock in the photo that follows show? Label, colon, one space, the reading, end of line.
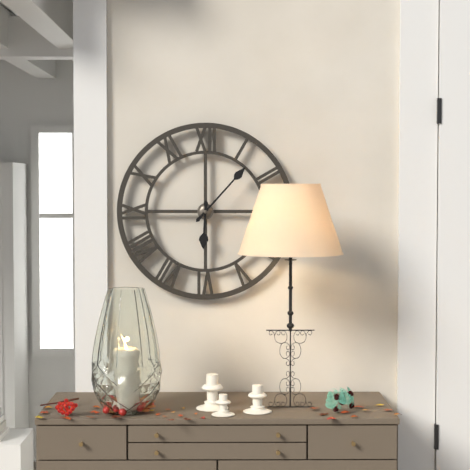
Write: 6:07
